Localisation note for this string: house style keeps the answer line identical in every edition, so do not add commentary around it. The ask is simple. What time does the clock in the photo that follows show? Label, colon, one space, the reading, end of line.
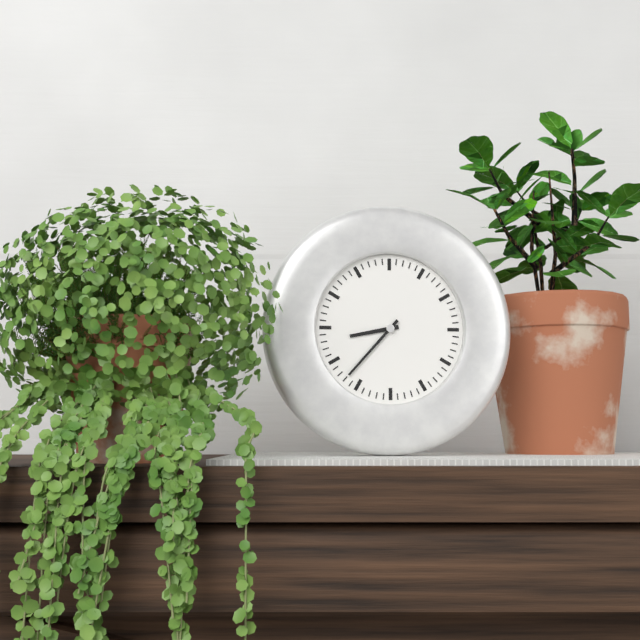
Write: 8:37
